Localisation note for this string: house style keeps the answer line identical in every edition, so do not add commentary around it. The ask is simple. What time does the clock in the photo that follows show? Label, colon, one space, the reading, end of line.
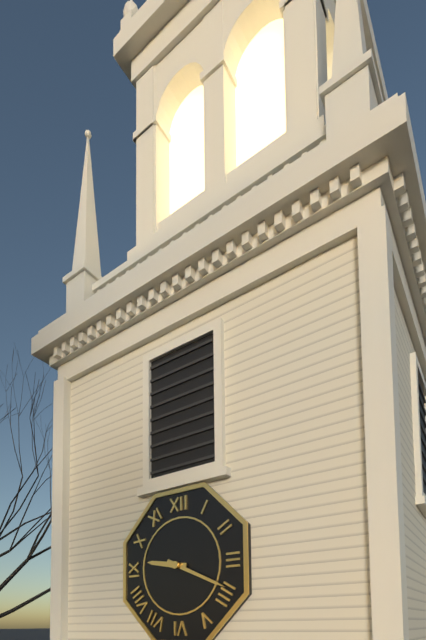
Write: 9:19
